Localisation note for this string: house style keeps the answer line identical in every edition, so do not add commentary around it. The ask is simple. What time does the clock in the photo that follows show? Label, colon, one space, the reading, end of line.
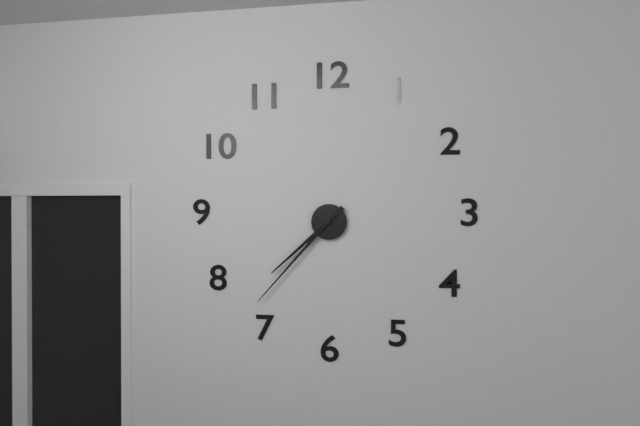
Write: 7:37
